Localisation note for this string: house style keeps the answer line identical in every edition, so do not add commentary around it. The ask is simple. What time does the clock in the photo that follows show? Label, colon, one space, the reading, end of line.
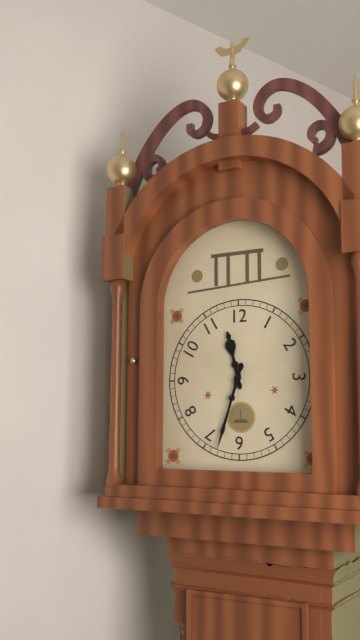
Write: 11:33
